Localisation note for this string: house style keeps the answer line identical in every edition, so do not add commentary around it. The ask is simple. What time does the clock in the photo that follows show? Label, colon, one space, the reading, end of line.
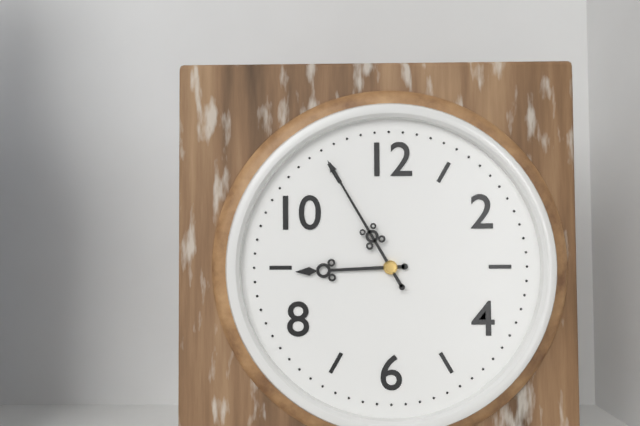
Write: 8:55
